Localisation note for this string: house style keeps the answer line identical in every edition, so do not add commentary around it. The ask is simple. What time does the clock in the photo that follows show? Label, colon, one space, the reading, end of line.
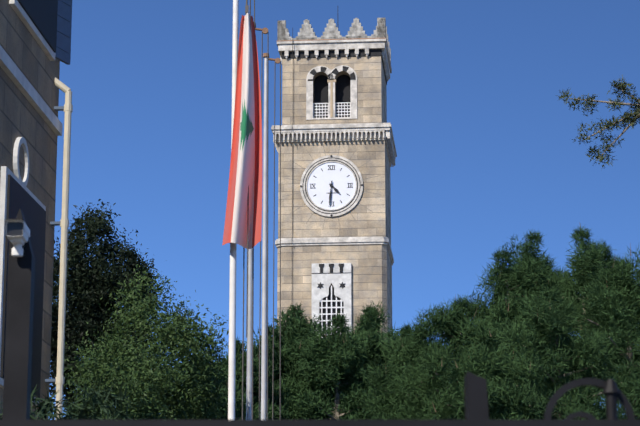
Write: 4:31
